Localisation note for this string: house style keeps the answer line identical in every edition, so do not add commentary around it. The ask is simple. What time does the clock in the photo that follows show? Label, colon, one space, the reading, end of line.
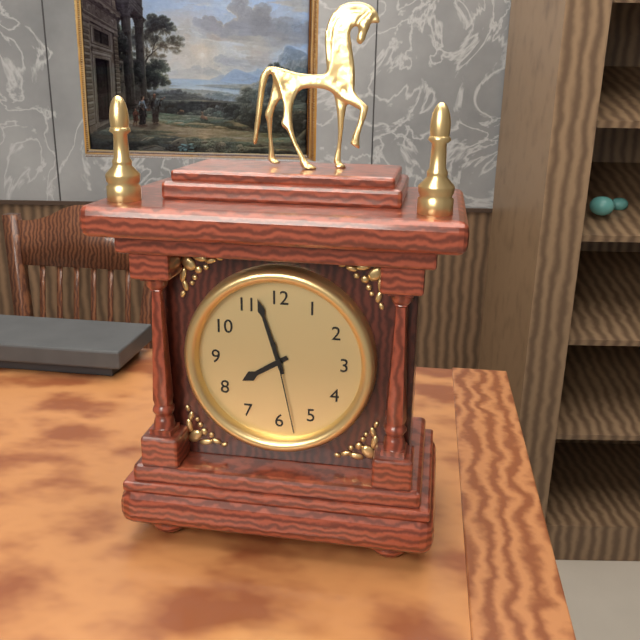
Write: 7:57:28
